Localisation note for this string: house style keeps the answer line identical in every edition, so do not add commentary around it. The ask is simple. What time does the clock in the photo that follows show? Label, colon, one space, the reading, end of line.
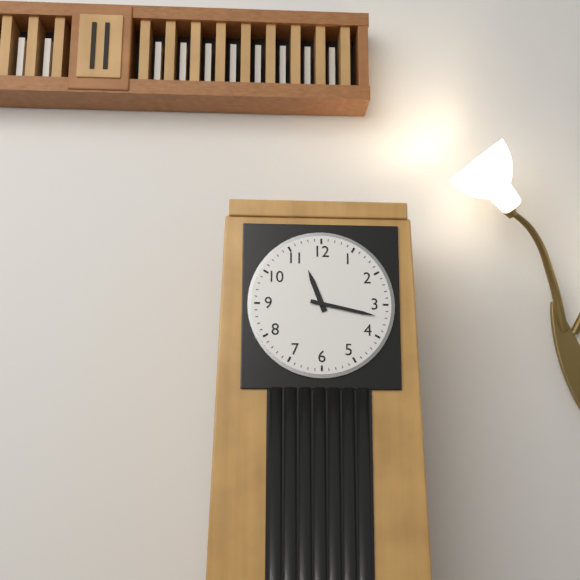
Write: 11:17
